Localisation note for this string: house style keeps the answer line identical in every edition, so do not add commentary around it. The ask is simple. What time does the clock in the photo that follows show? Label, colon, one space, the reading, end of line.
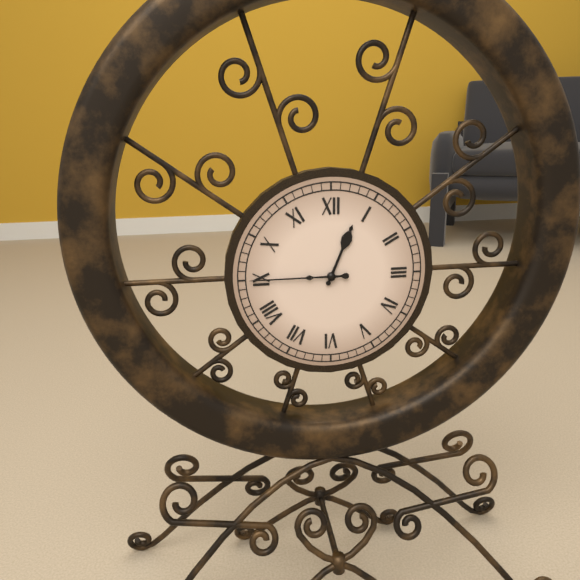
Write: 12:45
